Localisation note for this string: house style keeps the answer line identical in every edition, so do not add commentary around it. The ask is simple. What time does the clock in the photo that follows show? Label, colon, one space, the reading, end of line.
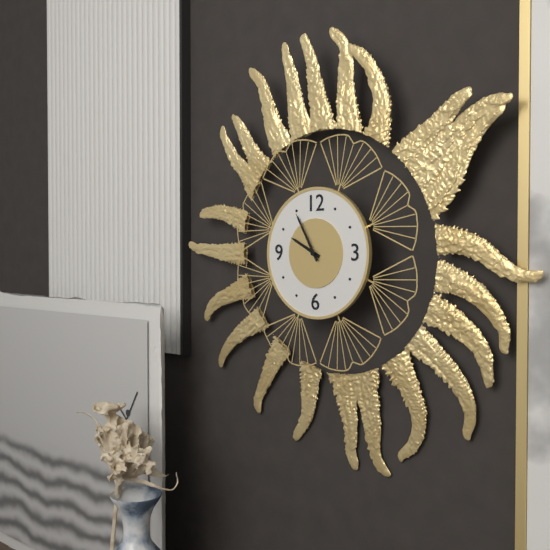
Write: 9:55
